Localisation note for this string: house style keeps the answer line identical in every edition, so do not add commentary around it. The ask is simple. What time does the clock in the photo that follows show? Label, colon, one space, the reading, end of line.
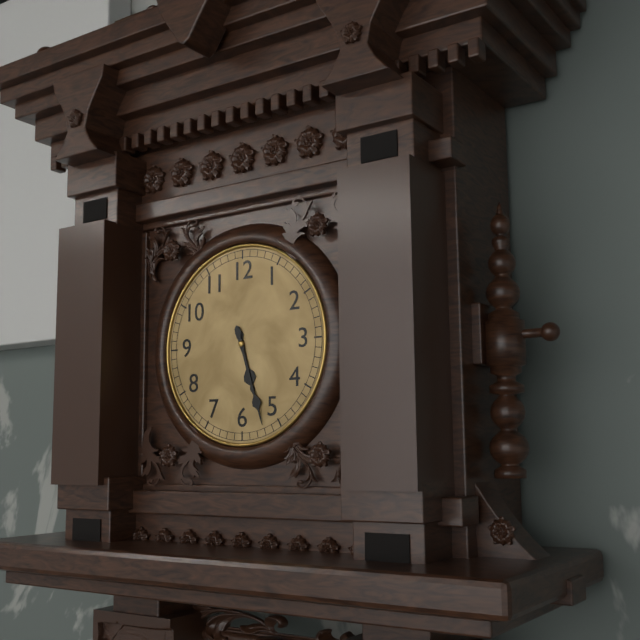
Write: 5:27
